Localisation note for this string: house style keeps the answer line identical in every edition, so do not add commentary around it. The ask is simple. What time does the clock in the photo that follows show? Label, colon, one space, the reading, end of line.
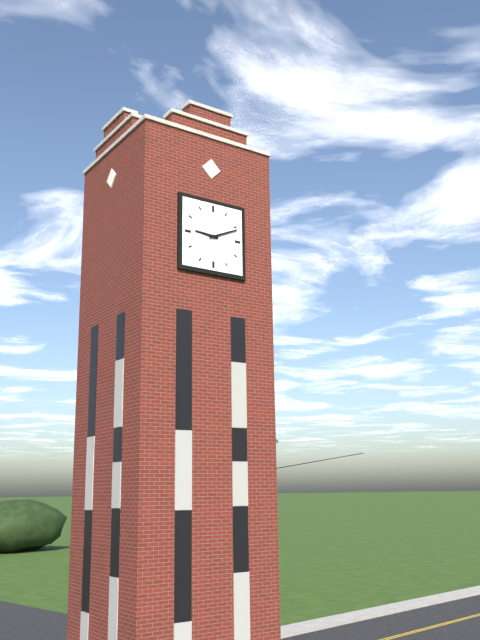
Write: 9:11
